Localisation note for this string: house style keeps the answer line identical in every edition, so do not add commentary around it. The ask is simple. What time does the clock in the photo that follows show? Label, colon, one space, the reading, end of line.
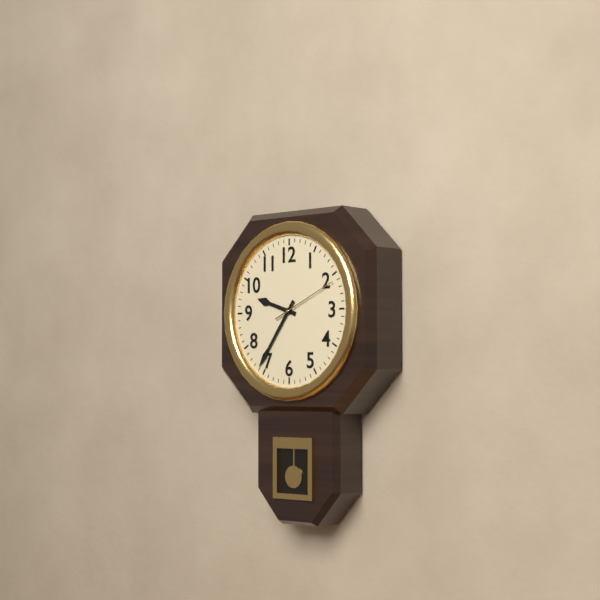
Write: 9:36:11
